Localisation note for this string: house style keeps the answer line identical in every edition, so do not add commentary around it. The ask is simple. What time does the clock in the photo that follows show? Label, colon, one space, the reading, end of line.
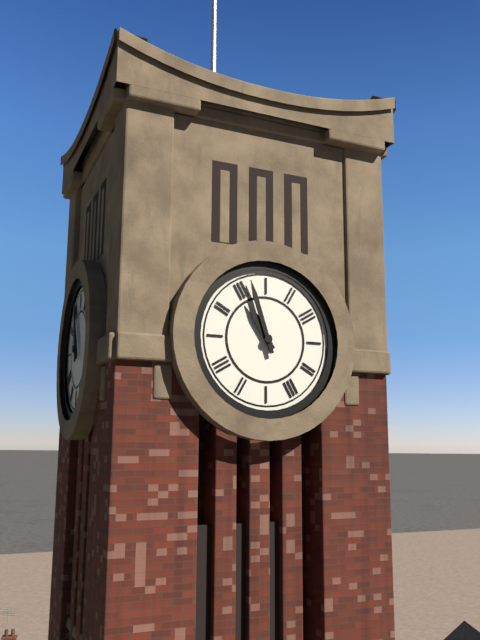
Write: 10:57
